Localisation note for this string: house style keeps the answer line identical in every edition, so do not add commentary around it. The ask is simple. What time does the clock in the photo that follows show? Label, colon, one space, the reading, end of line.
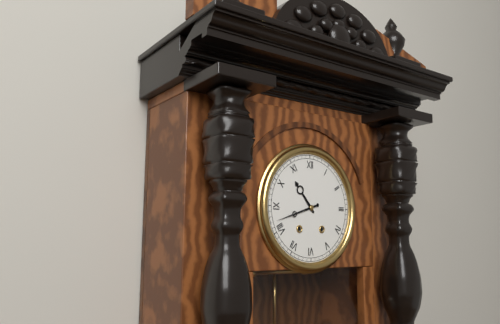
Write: 10:42
